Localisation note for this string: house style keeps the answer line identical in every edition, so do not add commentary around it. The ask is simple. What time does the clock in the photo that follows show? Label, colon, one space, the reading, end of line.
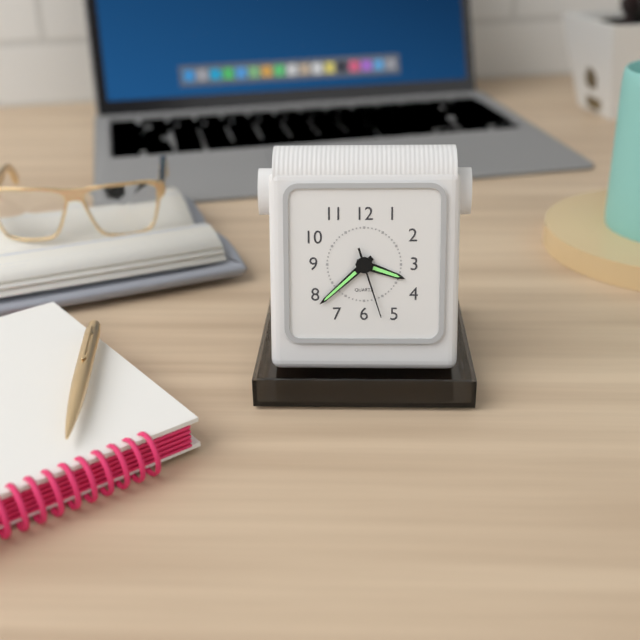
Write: 3:38:27
